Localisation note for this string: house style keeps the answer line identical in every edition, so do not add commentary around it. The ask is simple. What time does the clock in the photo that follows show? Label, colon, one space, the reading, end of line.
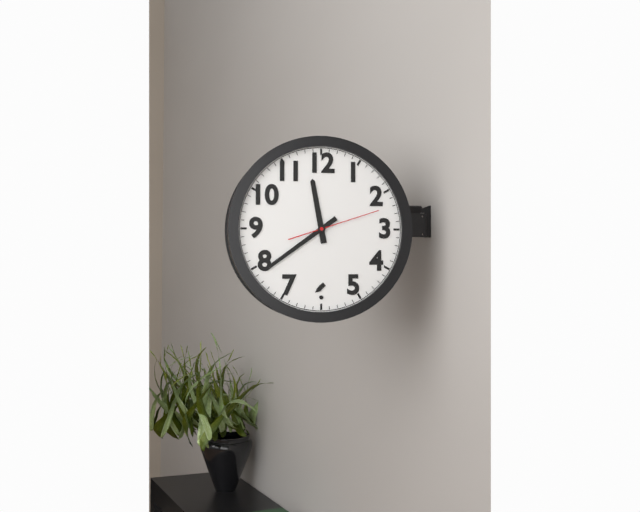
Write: 11:39:12
